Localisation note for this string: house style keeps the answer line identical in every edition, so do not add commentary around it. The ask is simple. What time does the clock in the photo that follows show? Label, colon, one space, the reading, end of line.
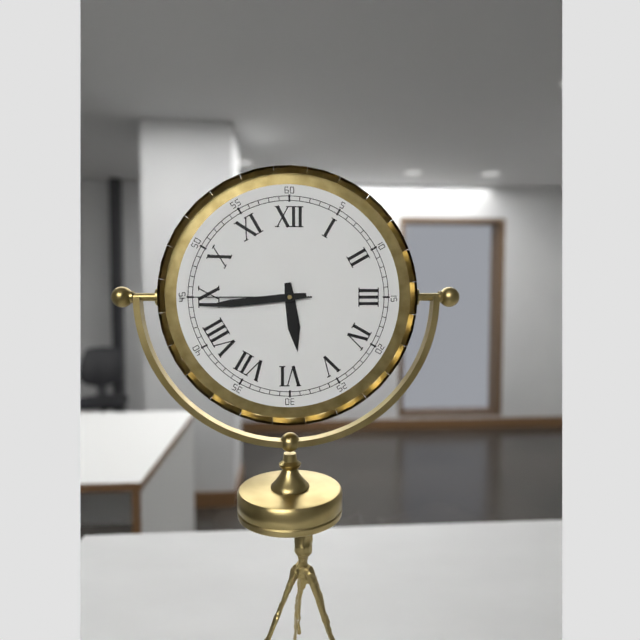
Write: 5:44:45
